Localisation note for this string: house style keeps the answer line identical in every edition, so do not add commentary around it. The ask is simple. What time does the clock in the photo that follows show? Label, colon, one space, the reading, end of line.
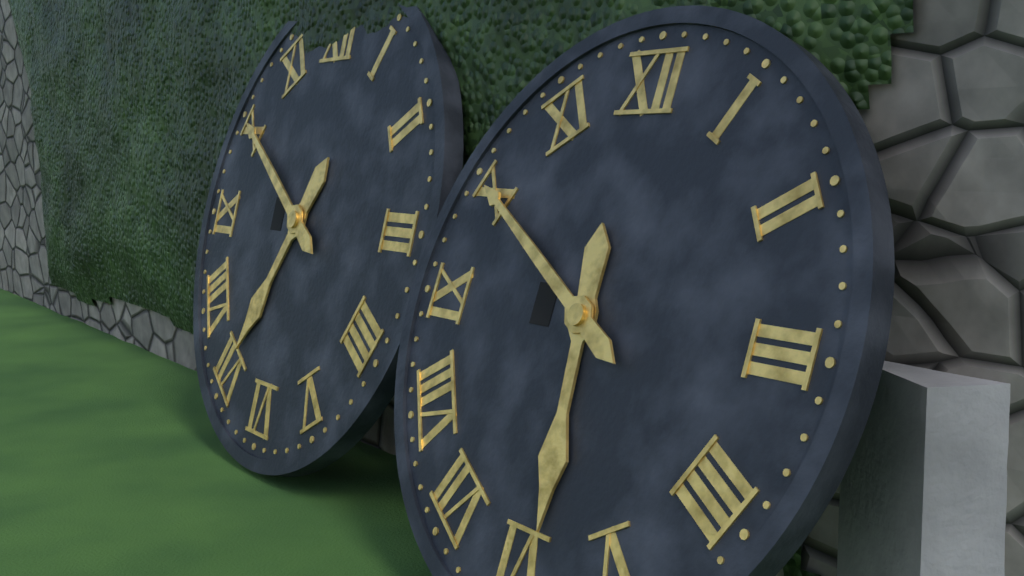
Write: 5:50
